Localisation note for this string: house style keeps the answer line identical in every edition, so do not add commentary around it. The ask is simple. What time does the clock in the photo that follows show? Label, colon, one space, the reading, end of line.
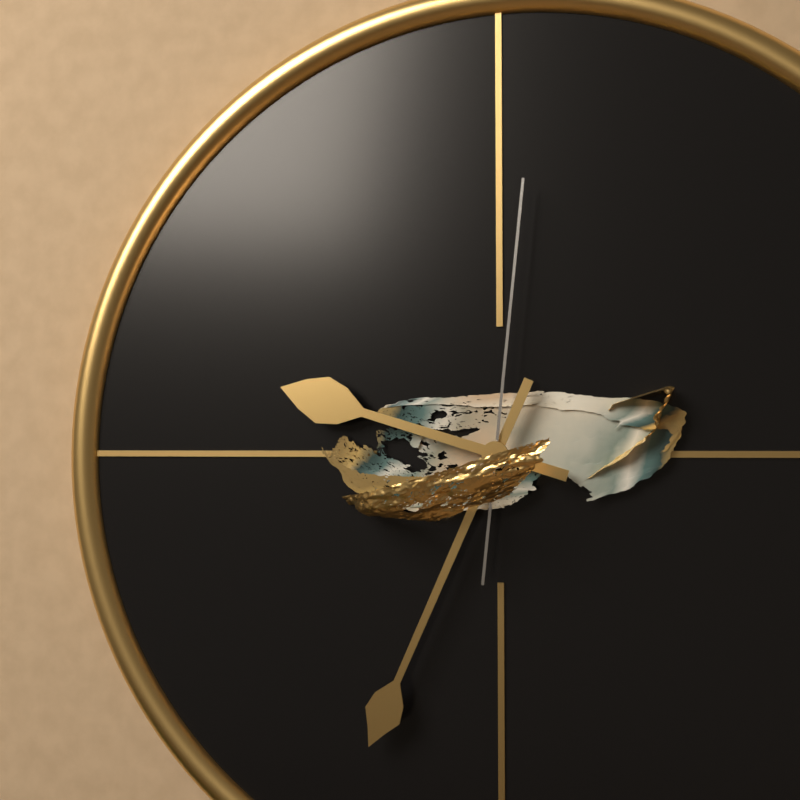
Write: 9:34:01
